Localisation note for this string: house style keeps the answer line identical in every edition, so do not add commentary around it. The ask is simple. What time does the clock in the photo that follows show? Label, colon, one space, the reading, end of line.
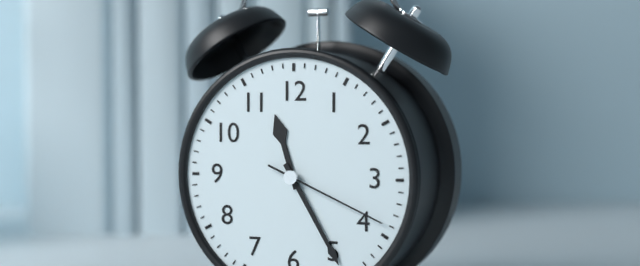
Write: 11:25:19
